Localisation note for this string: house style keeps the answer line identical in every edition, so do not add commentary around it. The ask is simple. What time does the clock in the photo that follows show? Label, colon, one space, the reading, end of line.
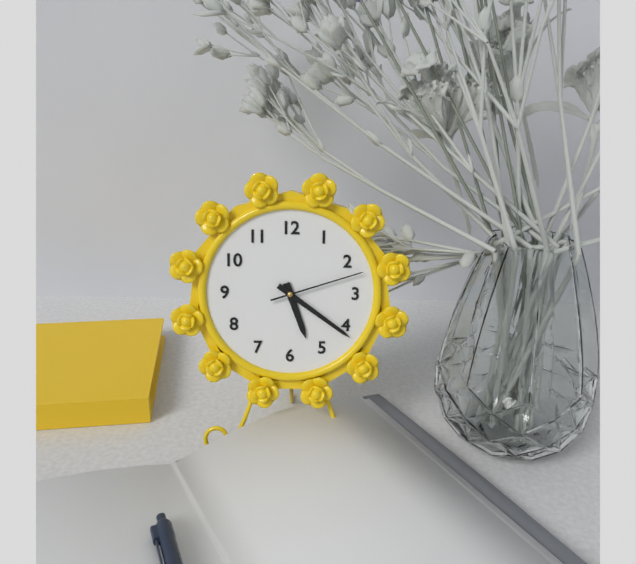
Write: 5:21:12
